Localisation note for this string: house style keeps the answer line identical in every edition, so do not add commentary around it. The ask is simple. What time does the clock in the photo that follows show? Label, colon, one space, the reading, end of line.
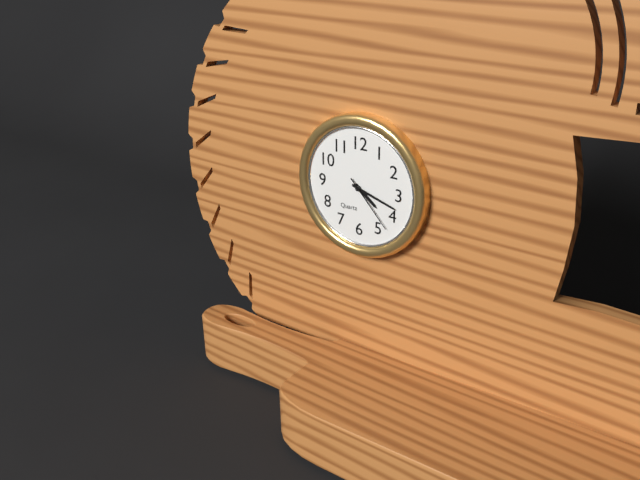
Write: 4:18:23
